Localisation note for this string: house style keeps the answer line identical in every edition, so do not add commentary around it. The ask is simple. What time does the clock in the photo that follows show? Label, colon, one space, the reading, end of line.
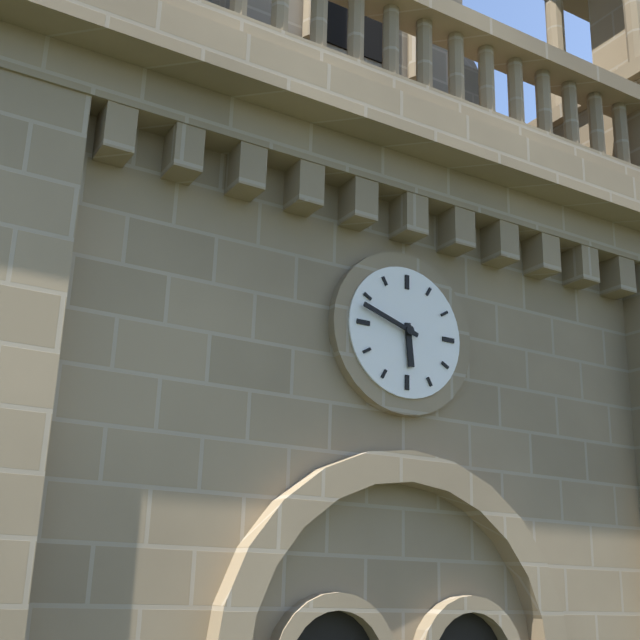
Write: 5:48
